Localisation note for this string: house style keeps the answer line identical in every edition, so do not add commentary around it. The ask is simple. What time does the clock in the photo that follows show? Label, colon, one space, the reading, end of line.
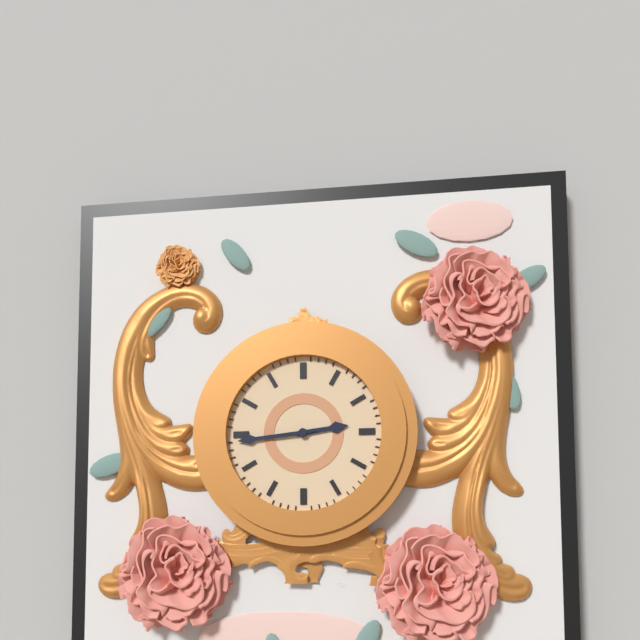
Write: 2:44
